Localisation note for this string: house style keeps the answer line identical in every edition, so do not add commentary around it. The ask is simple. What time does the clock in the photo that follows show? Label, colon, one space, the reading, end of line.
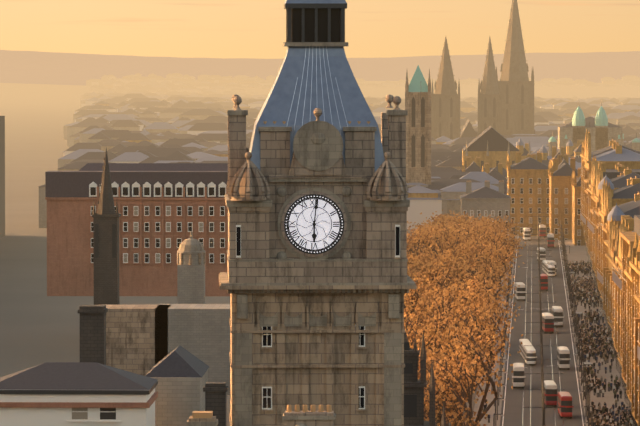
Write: 6:01
